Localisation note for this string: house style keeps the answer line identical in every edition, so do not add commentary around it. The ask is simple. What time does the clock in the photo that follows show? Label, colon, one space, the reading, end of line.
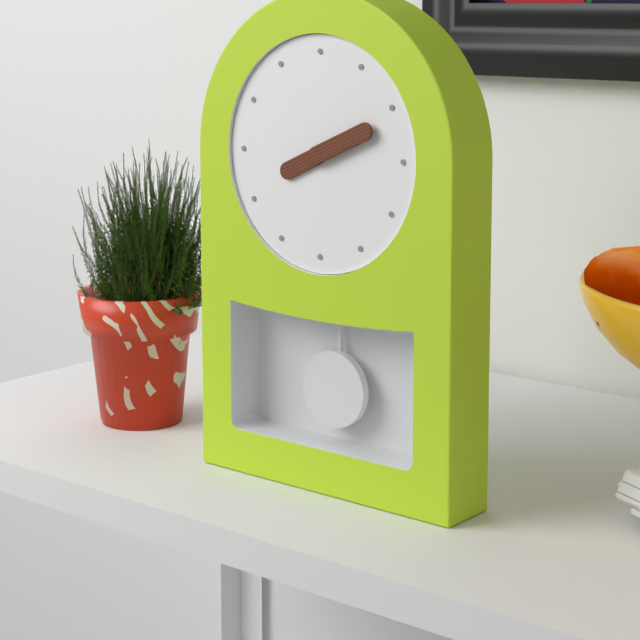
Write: 8:11
